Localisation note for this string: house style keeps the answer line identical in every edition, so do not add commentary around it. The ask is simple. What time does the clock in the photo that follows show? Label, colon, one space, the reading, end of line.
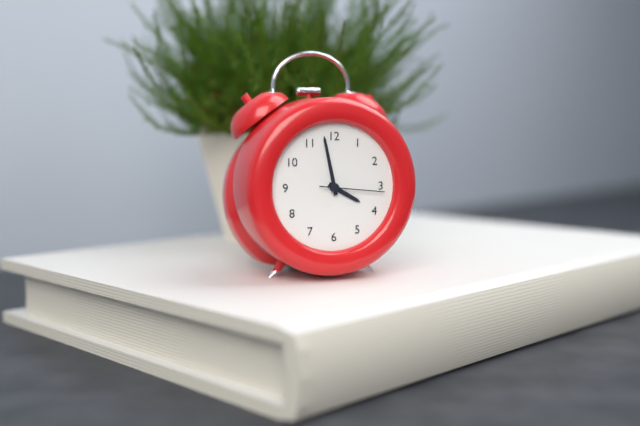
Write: 3:58:16
